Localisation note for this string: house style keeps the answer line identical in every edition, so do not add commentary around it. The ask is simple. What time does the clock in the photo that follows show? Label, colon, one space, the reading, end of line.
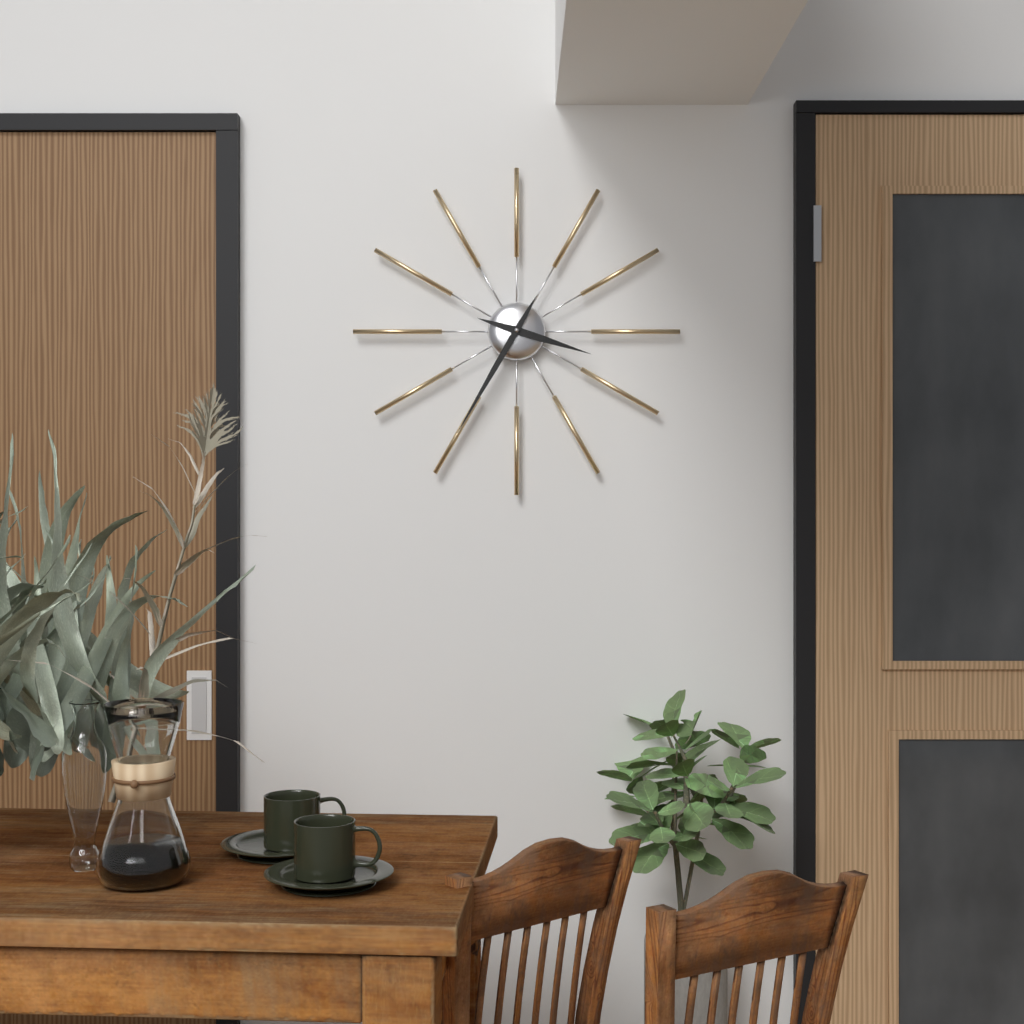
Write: 3:35
